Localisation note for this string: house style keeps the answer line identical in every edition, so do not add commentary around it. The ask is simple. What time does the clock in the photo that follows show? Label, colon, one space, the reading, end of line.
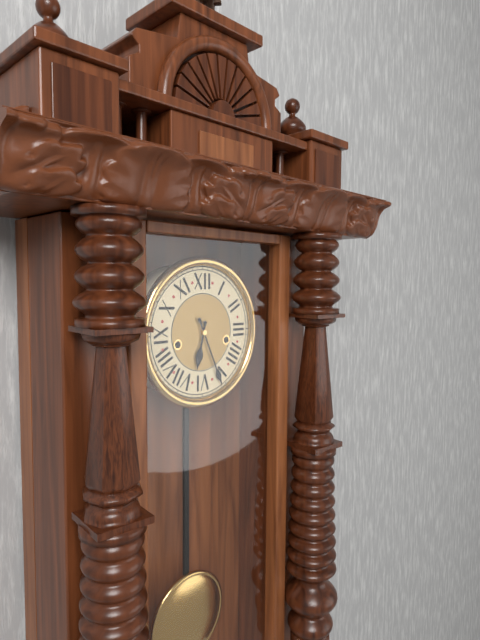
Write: 6:26
